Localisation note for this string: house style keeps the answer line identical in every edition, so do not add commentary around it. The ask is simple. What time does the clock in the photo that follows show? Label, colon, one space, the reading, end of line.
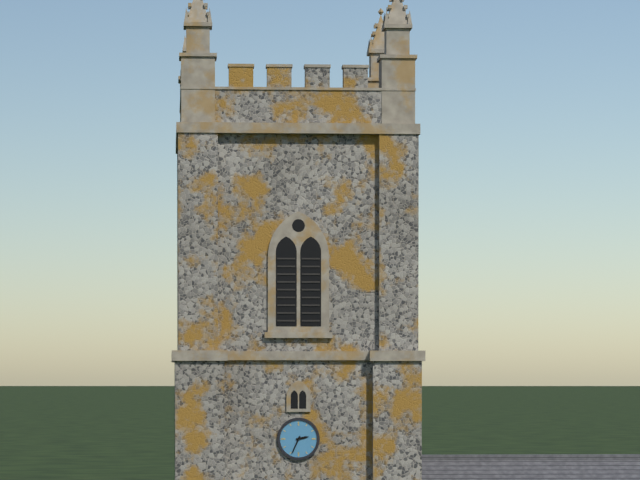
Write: 2:34
